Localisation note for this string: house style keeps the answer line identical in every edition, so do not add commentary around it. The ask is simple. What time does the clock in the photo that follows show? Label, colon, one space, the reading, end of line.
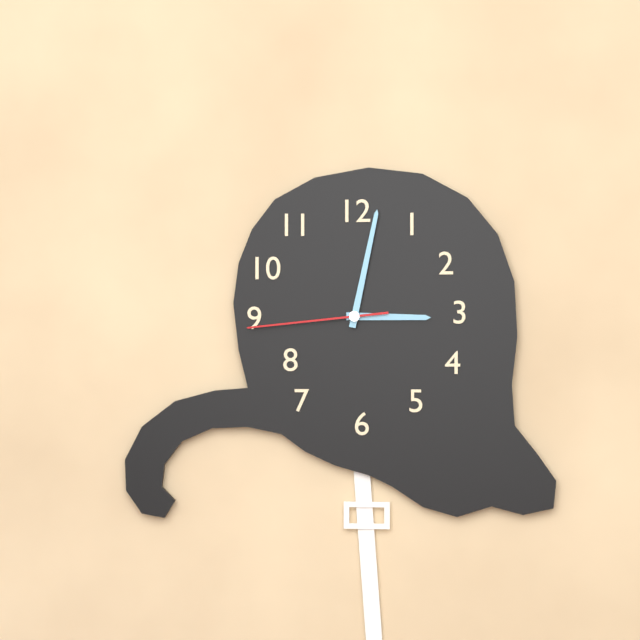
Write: 3:02:44
